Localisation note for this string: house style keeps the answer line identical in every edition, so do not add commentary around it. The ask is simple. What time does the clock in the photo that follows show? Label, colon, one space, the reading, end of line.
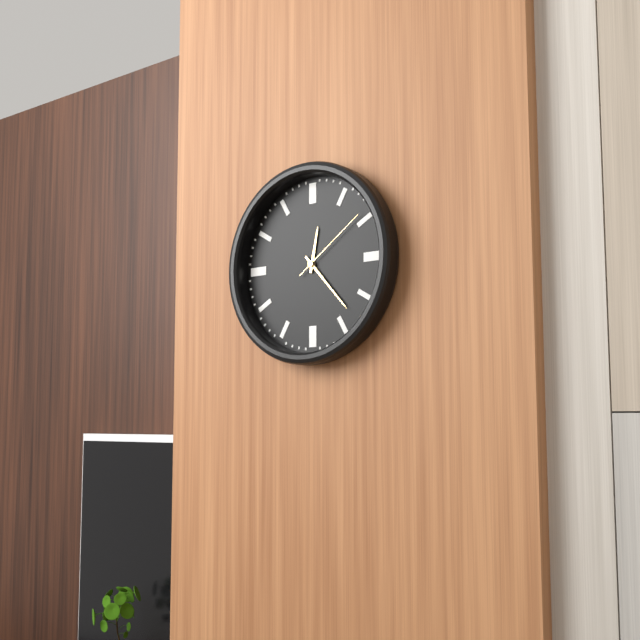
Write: 12:23:09
